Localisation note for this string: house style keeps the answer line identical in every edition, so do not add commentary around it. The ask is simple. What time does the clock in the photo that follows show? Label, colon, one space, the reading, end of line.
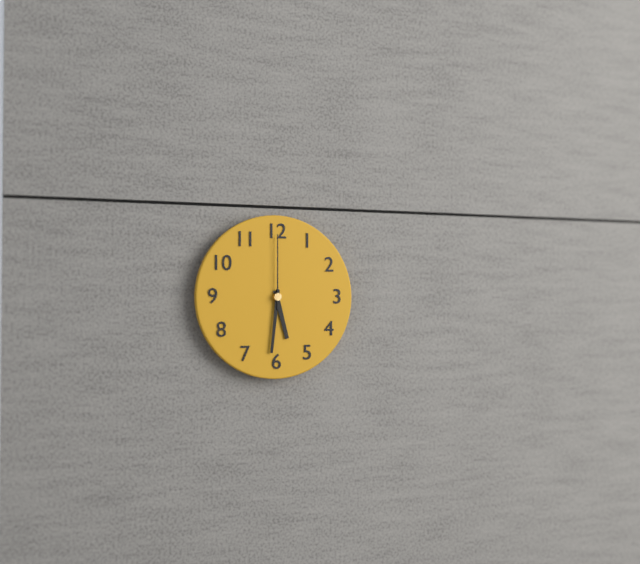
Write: 5:31:00
